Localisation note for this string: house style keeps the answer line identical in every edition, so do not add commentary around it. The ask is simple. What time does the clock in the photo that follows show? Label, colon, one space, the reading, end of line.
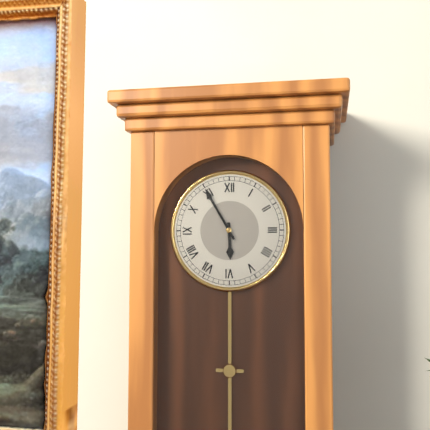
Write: 5:55
